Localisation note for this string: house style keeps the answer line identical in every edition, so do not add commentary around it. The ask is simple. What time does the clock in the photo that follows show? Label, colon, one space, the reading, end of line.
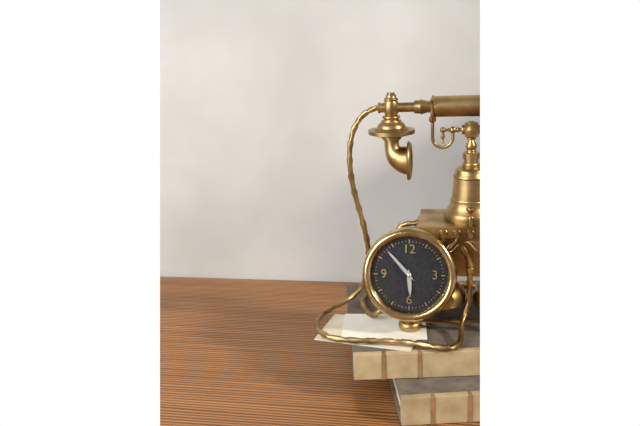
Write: 5:53
